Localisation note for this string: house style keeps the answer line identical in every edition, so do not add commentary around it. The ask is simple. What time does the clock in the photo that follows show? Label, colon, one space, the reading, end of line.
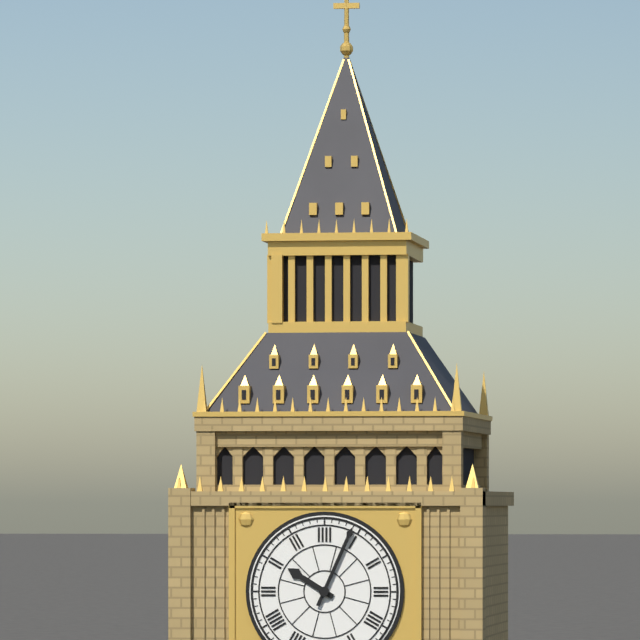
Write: 10:04
